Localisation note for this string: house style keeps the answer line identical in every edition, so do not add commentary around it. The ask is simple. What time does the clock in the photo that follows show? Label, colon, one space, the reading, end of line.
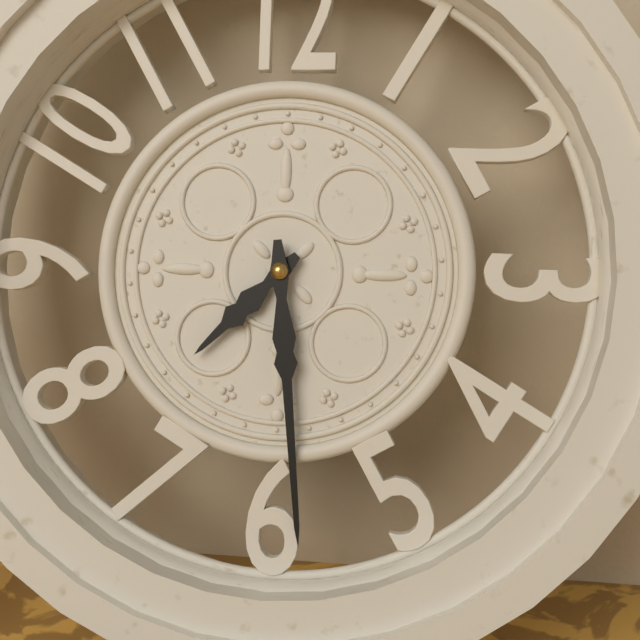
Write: 7:29
